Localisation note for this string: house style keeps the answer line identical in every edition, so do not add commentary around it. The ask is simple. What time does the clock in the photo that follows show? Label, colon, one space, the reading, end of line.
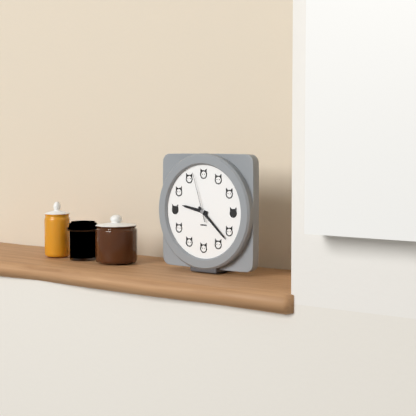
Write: 9:22:57
